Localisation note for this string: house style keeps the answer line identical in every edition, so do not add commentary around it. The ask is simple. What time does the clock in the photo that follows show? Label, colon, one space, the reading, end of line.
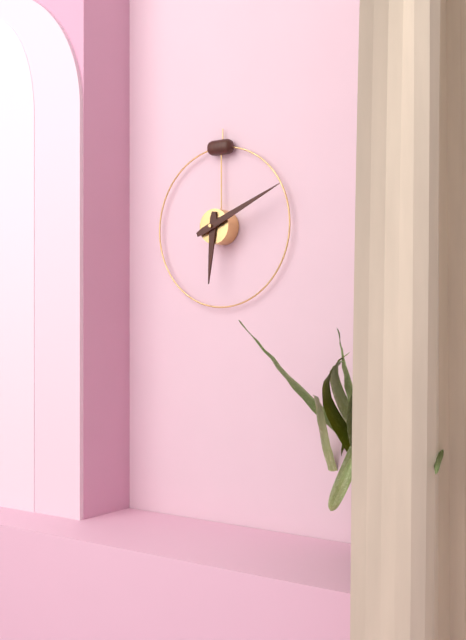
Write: 6:11
